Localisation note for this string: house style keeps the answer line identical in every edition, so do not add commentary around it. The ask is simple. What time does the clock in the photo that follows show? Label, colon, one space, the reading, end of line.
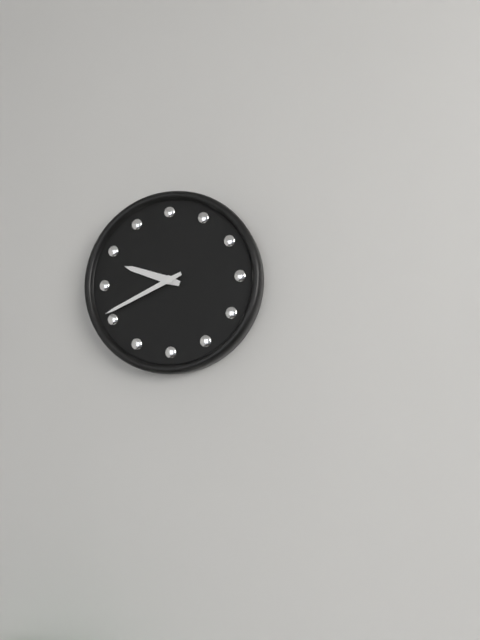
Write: 9:41
